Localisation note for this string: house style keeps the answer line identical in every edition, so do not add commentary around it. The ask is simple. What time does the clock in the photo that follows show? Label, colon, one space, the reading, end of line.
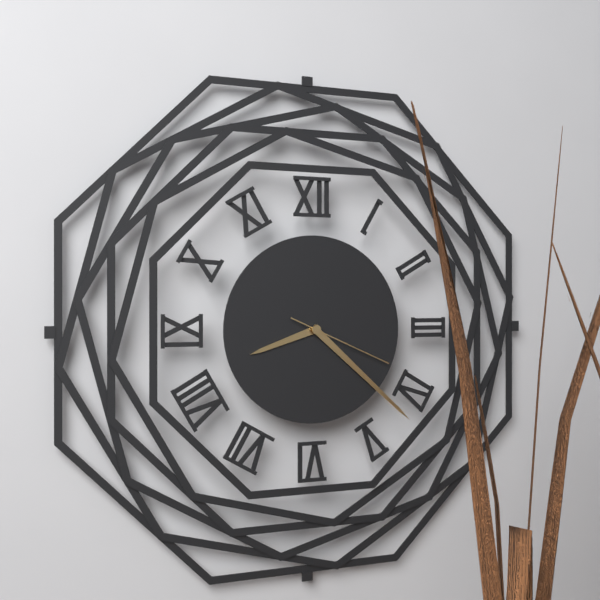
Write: 8:22:19
